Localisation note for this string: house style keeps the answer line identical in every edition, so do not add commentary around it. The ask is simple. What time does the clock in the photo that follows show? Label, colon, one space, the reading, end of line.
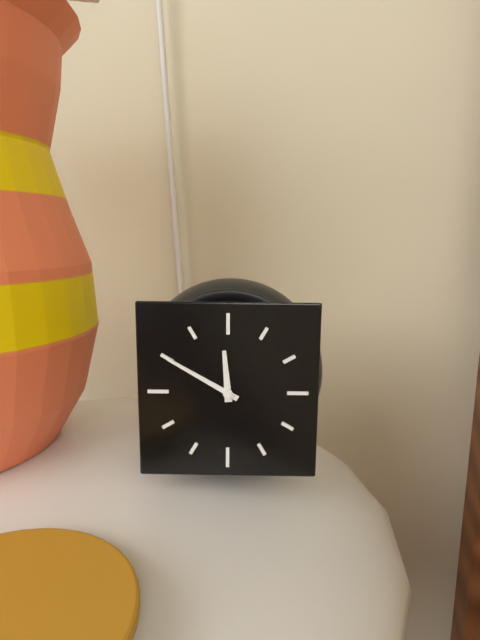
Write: 11:50
